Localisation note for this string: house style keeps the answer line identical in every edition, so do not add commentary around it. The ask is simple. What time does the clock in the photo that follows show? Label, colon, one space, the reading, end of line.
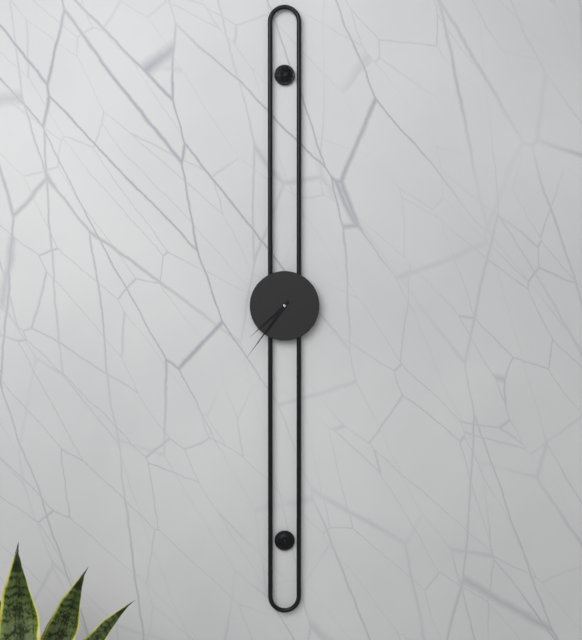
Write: 7:36
